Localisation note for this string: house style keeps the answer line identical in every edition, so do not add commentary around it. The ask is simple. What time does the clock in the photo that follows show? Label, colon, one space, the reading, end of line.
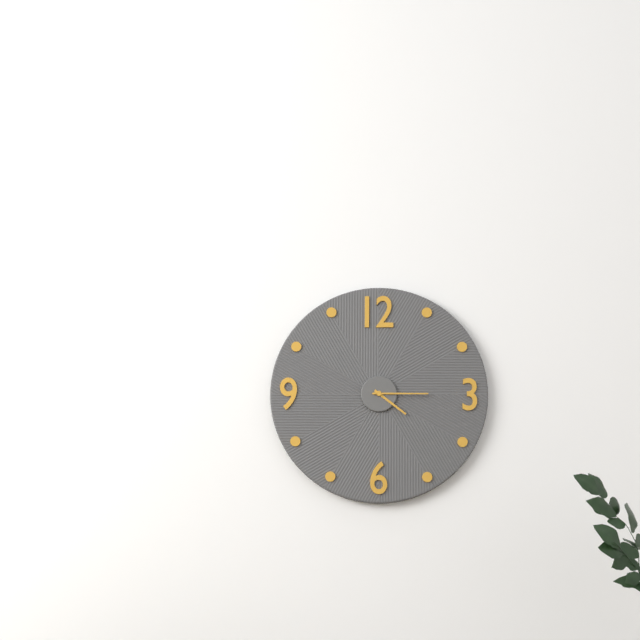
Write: 4:15
